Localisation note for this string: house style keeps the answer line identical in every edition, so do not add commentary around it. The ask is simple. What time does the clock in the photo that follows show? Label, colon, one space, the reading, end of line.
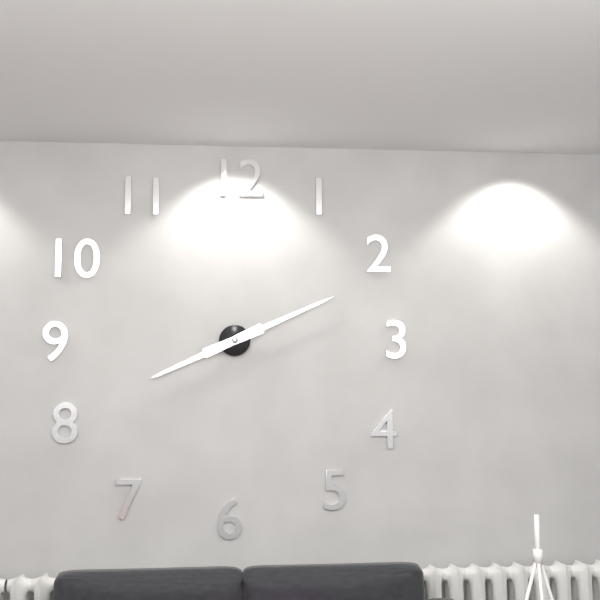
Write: 8:11
